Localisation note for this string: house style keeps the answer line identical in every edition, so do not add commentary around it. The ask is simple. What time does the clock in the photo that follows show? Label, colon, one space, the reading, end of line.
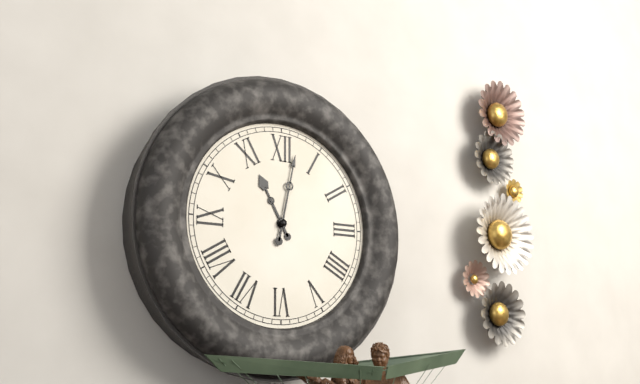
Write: 11:02
